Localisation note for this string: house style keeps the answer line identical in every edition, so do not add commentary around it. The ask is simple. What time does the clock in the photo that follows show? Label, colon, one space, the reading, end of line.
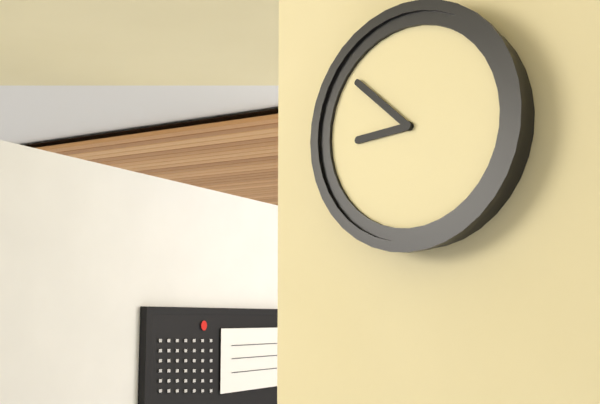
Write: 8:52
